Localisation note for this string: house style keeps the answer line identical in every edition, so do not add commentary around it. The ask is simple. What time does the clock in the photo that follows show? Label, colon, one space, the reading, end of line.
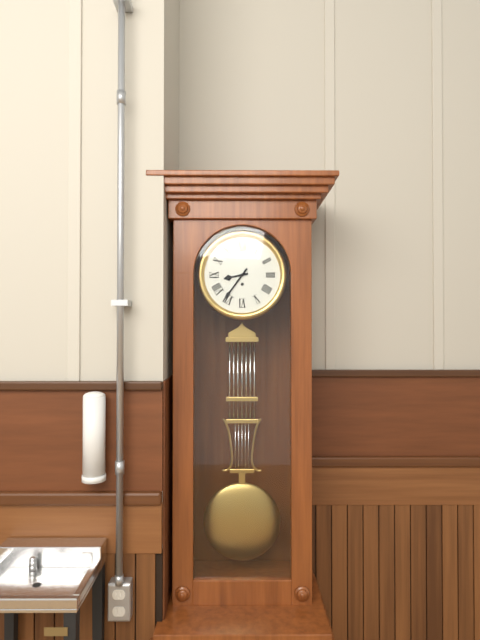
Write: 8:36
